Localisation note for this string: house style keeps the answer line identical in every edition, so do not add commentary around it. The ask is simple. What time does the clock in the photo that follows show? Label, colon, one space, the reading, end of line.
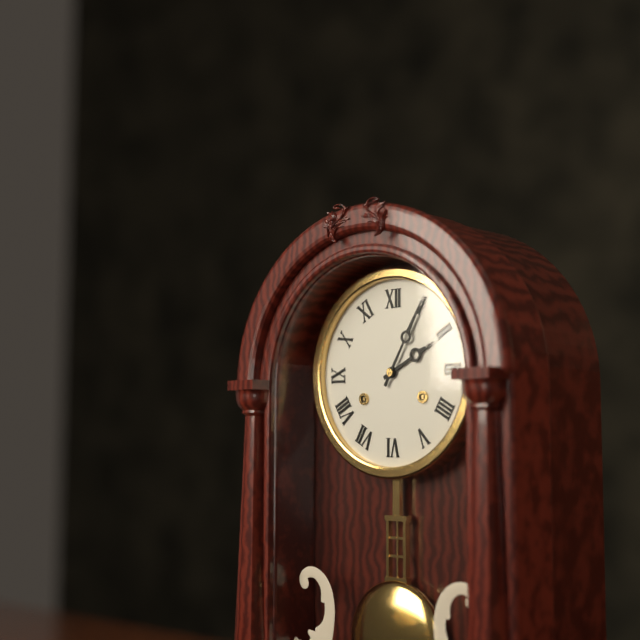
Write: 2:05
